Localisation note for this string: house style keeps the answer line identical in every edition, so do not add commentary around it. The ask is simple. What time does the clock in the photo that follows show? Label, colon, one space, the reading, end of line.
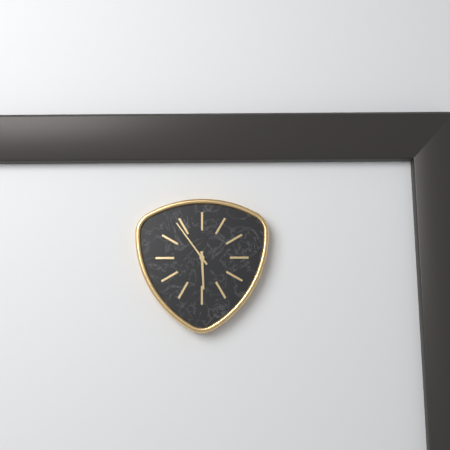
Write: 5:54
